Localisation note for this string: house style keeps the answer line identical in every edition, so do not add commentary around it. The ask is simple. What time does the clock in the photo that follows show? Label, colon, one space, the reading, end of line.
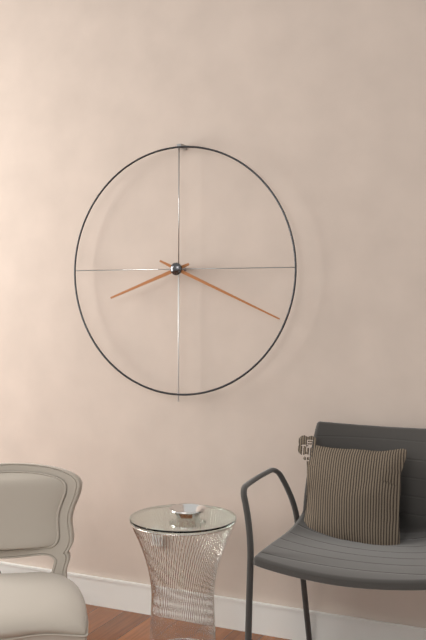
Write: 8:19
